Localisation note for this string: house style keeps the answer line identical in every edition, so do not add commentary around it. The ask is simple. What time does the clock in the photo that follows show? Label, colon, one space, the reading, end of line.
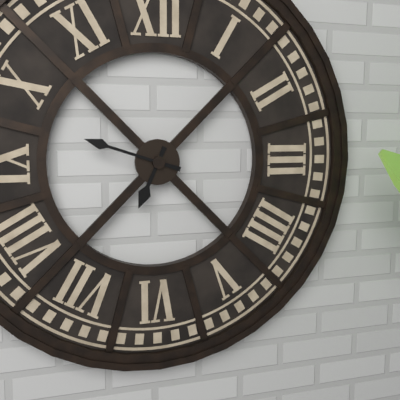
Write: 6:48
